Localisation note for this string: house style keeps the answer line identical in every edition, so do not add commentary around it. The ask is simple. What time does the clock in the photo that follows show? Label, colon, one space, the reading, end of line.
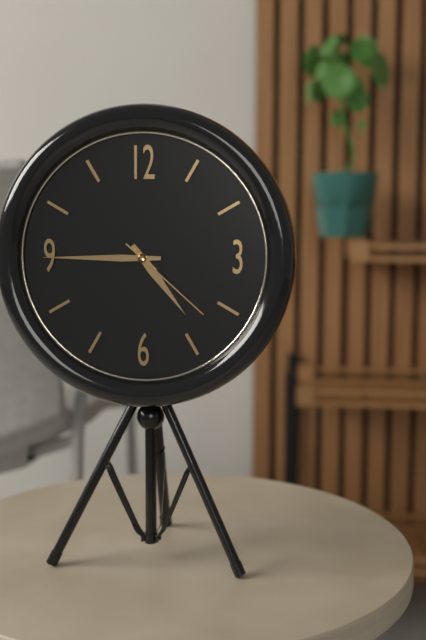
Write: 4:45:22
